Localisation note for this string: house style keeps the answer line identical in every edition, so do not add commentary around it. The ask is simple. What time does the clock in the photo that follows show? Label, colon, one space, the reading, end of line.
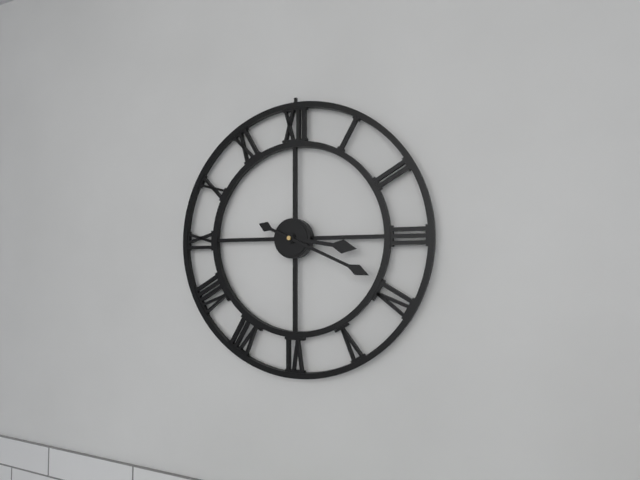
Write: 3:19
